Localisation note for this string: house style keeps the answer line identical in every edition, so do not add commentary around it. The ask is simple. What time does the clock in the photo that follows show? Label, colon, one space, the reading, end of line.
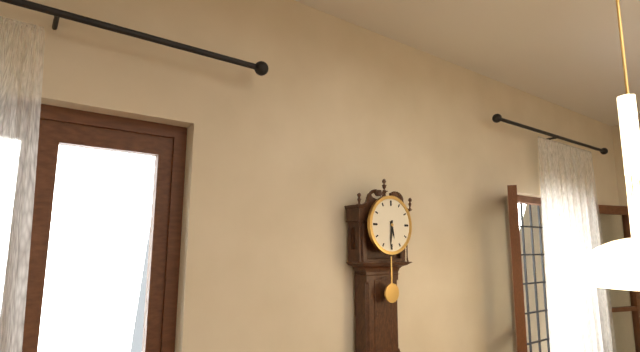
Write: 5:31
